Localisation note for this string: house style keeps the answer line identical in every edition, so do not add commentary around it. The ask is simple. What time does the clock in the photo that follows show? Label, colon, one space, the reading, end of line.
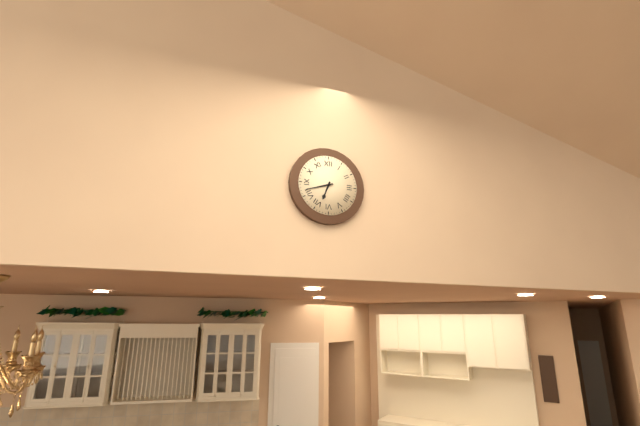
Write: 6:42
